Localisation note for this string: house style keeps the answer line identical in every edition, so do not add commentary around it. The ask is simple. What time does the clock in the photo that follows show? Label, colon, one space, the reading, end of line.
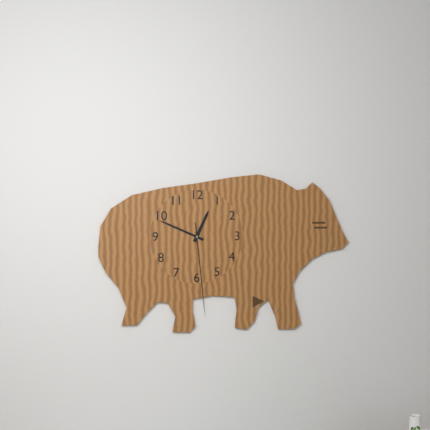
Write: 12:49:29
